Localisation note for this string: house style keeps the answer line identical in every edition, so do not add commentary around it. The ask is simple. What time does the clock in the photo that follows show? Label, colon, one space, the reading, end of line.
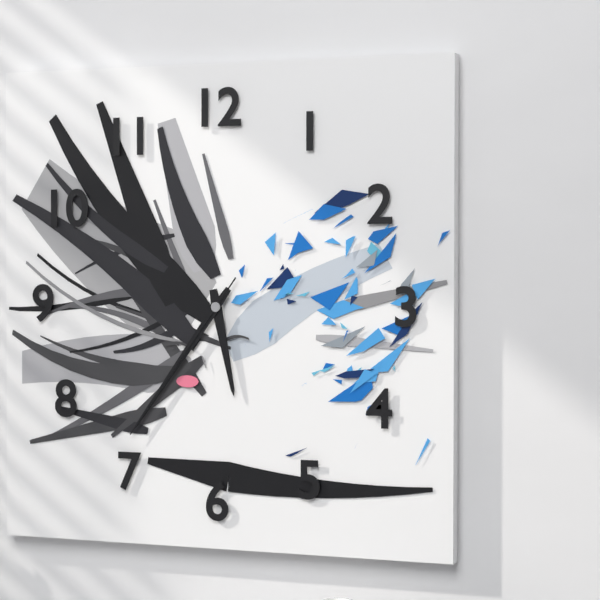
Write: 5:36:36
